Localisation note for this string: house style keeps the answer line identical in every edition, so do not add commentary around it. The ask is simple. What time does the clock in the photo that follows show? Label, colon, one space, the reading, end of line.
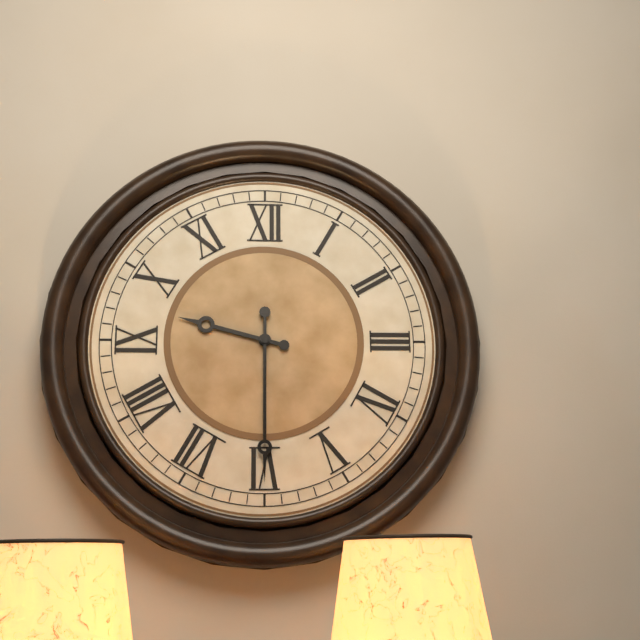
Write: 9:30
